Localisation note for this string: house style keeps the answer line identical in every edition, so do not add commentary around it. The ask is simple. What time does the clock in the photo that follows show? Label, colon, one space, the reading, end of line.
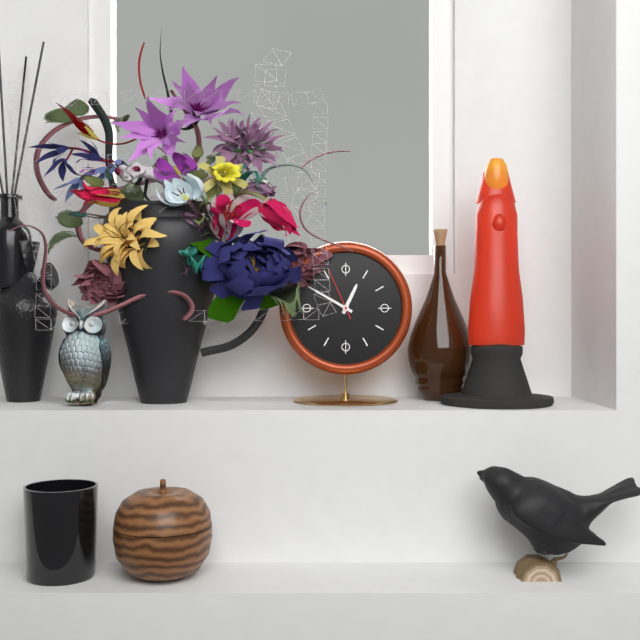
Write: 12:50:56
